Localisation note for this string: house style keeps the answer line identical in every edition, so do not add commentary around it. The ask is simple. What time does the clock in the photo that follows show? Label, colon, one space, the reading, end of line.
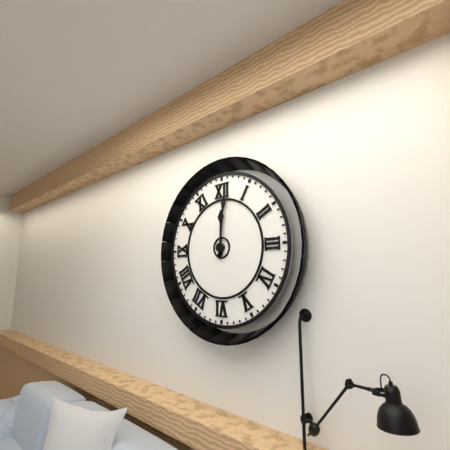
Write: 12:01
